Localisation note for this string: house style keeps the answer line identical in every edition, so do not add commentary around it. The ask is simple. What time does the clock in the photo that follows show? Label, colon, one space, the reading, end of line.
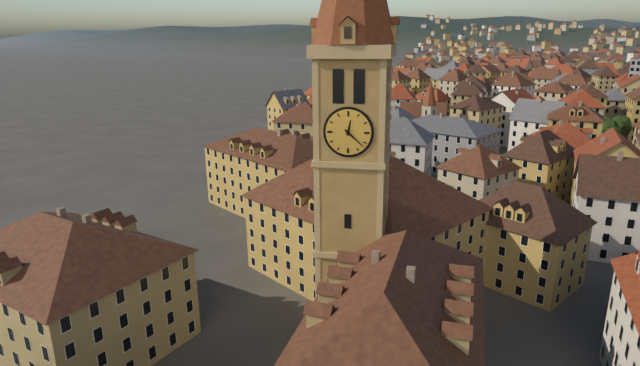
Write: 12:22
